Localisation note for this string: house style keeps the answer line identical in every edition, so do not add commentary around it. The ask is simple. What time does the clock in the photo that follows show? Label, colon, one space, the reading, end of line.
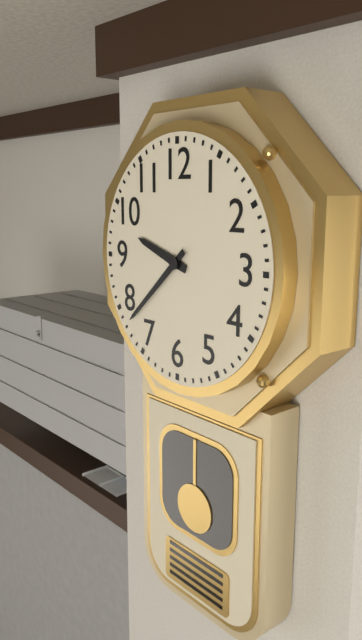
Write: 9:38
